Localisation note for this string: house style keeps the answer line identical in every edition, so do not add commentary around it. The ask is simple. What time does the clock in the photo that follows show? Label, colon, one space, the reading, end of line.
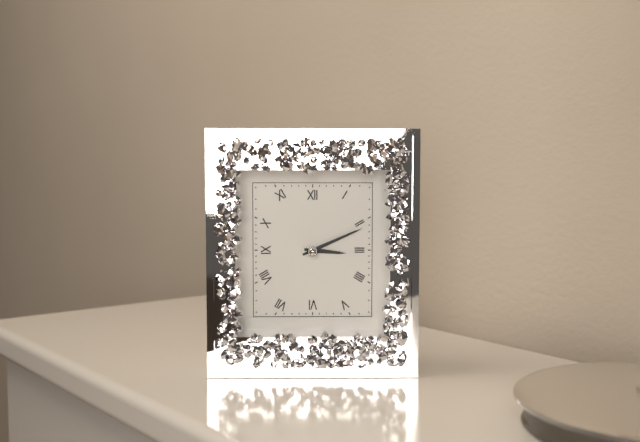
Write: 3:11
